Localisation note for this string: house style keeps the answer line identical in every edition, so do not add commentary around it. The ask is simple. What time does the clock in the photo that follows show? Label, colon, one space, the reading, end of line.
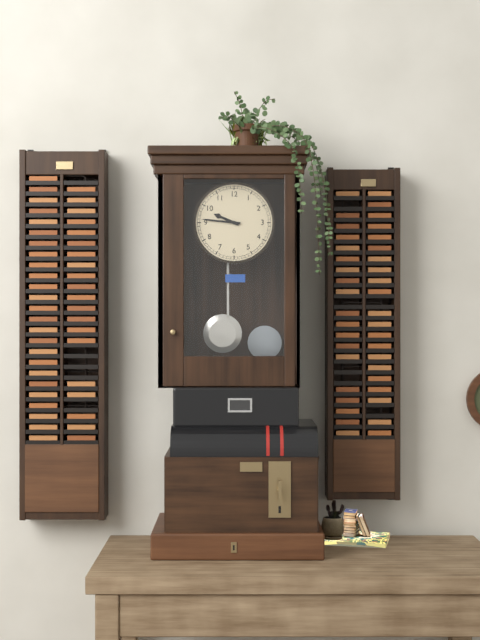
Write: 9:46
